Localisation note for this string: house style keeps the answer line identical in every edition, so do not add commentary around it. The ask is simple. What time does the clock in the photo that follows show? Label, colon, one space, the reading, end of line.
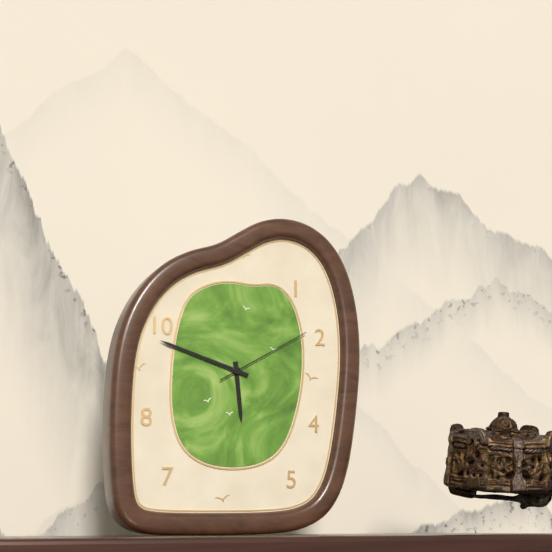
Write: 5:48:10
